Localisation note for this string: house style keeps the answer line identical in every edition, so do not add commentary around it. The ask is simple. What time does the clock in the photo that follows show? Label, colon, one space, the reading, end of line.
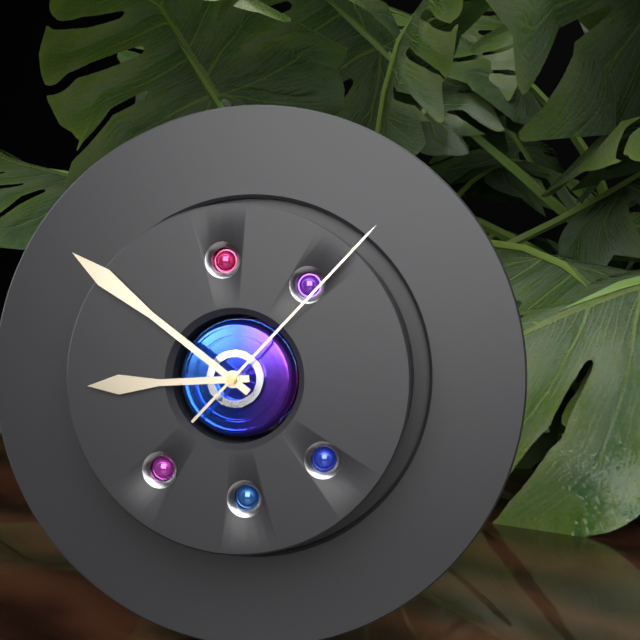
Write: 8:51:07
